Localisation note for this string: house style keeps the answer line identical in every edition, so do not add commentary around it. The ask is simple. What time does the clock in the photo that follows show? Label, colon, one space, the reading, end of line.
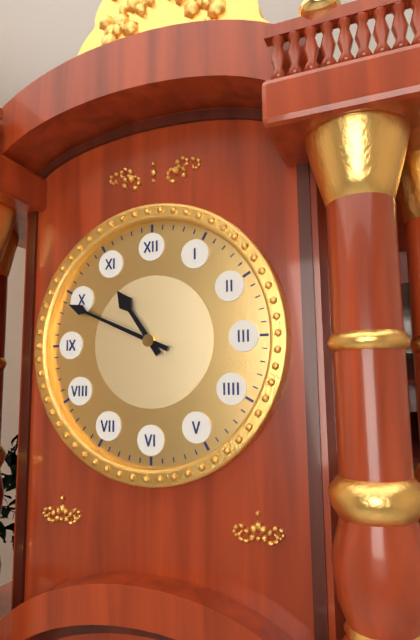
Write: 10:49
